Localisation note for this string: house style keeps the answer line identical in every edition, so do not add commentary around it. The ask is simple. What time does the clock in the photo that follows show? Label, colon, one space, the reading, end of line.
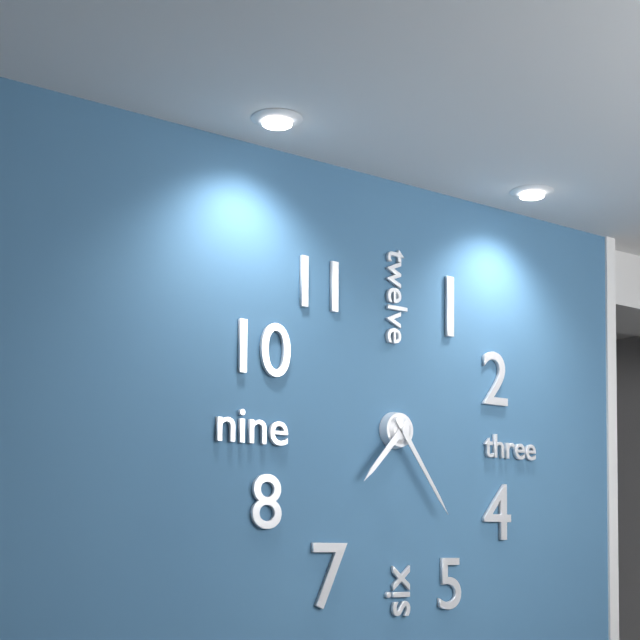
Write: 7:24
